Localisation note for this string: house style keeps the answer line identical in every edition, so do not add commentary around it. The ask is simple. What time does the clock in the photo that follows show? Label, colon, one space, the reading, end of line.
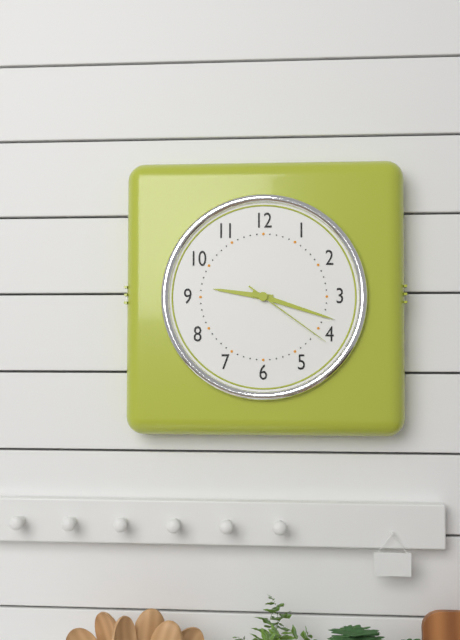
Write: 9:18:21
